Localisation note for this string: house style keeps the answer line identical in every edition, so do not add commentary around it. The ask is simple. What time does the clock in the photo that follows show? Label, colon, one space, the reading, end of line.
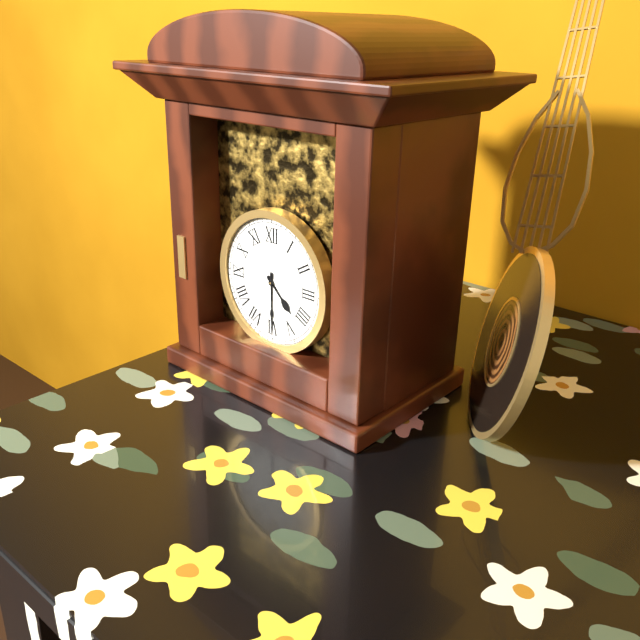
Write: 4:30
